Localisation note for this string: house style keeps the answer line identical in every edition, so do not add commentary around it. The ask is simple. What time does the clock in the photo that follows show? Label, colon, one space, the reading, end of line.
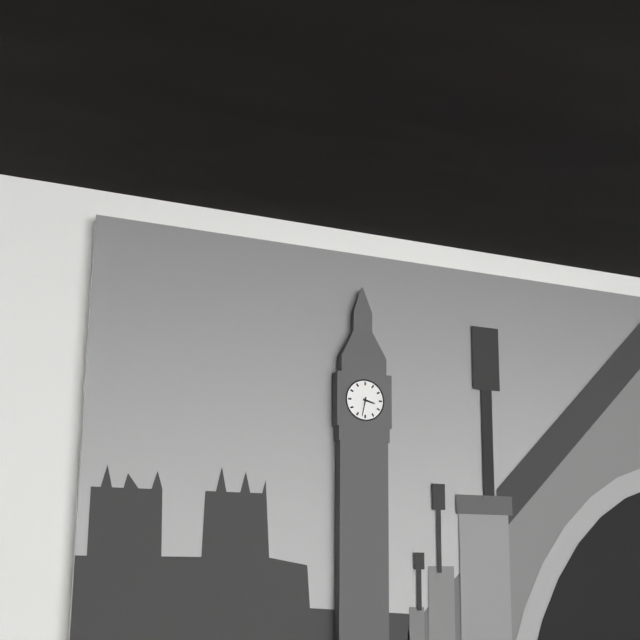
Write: 3:32
